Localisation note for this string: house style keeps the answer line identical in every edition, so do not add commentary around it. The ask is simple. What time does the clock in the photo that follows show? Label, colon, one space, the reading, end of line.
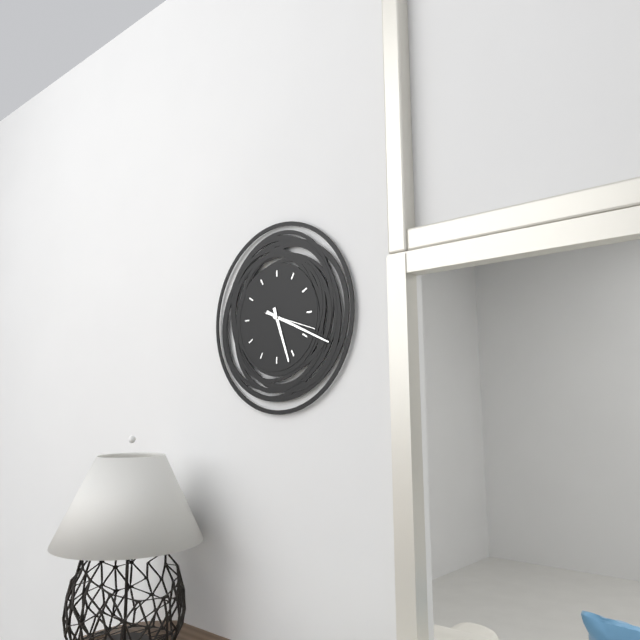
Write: 5:19
